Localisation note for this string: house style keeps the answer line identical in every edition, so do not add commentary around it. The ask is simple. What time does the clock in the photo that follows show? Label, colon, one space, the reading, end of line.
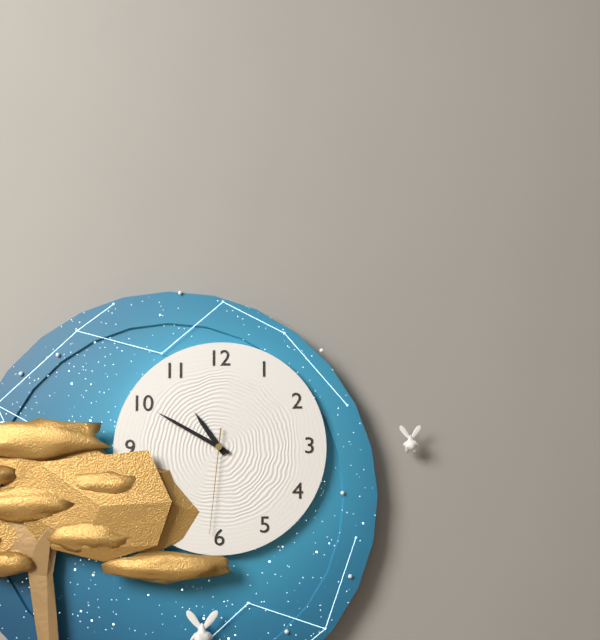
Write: 10:50:31
